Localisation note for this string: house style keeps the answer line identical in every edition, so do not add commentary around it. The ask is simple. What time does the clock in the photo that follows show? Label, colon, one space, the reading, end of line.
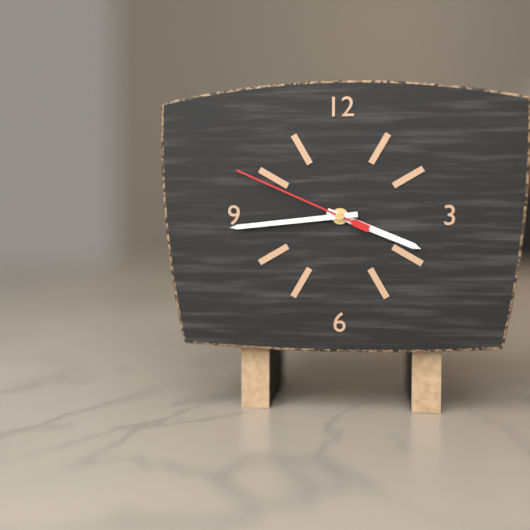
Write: 3:44:49
